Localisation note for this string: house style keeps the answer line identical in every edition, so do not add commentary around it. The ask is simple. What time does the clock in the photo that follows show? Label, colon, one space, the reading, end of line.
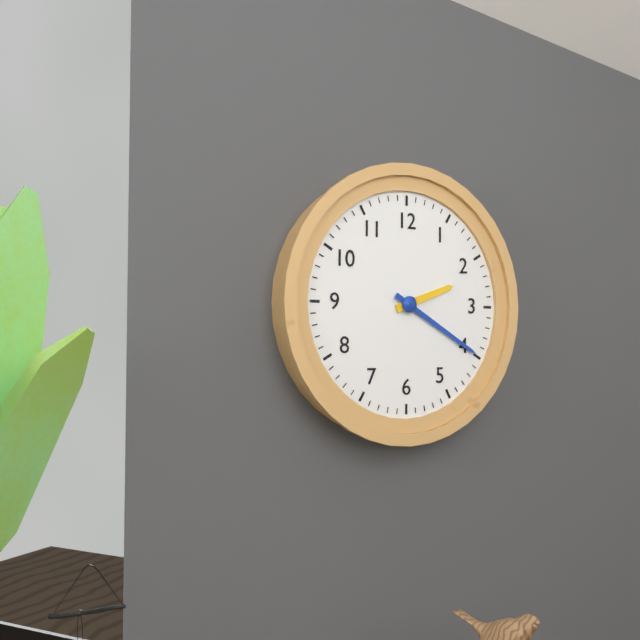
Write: 2:20
